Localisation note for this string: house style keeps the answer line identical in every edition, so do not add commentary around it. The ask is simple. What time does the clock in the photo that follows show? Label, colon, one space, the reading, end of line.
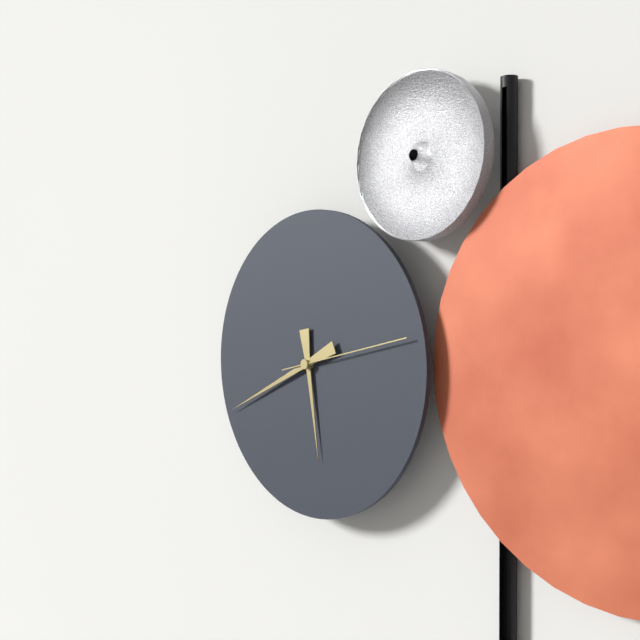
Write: 5:41:13
